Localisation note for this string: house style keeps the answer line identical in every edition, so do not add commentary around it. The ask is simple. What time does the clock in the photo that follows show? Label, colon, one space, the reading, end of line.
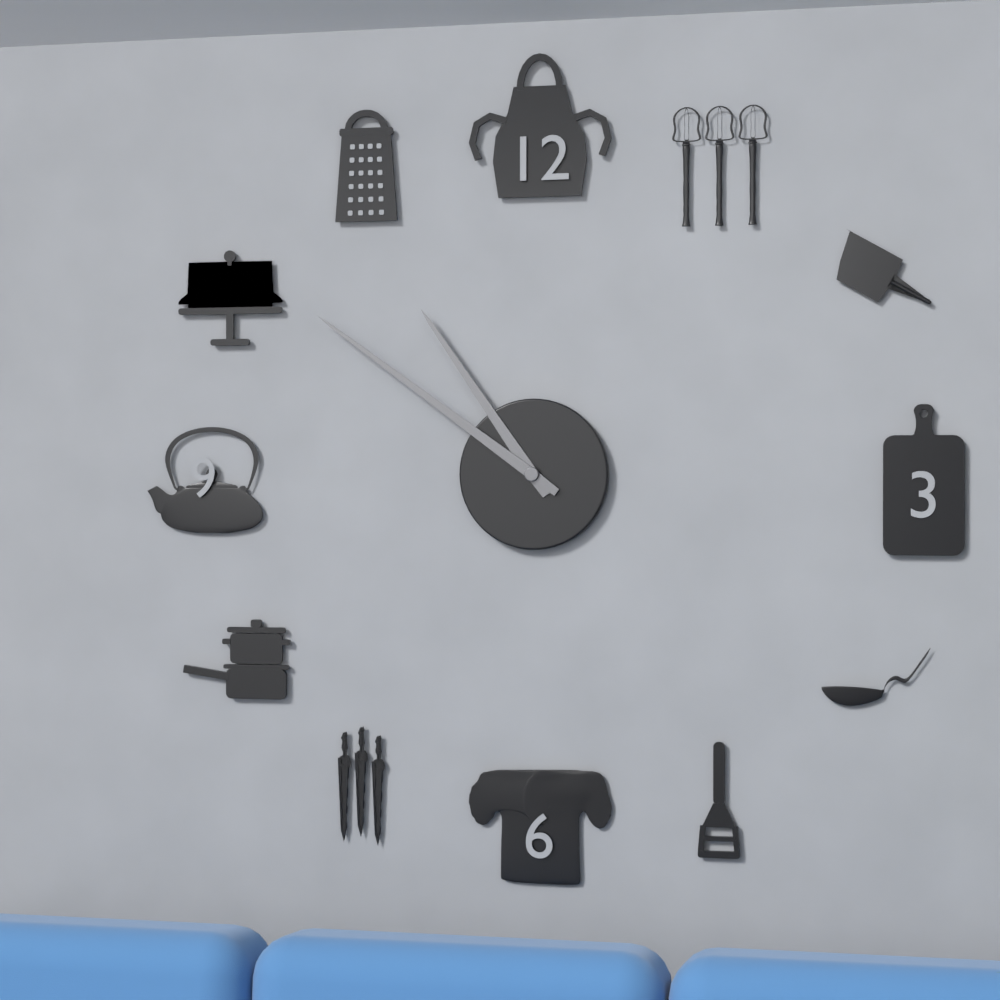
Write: 10:51
